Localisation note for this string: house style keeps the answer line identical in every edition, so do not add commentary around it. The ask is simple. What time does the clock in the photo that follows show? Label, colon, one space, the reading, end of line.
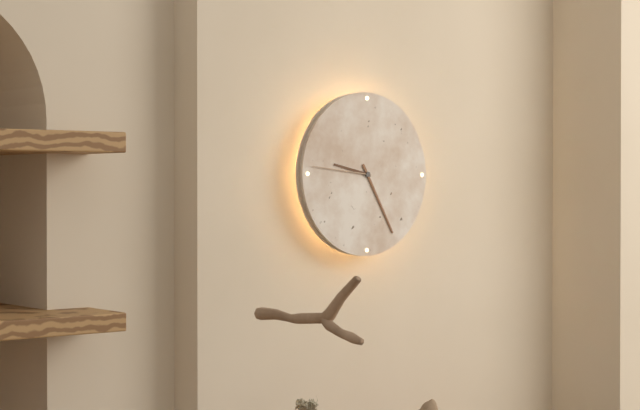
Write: 9:25:46
